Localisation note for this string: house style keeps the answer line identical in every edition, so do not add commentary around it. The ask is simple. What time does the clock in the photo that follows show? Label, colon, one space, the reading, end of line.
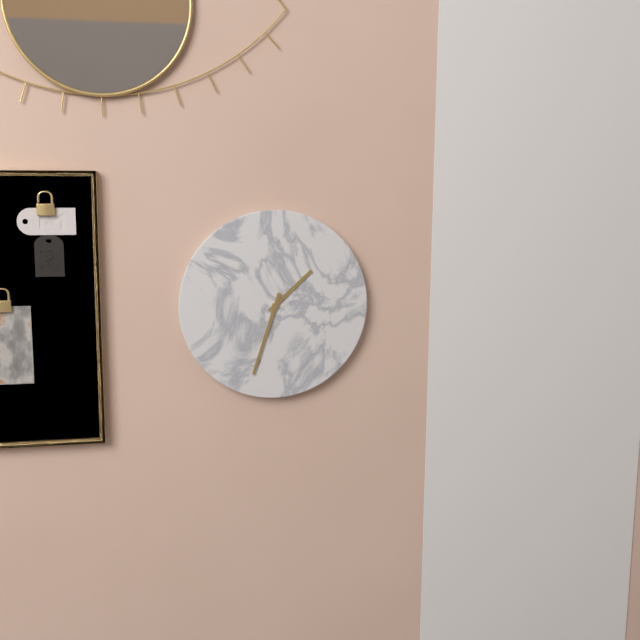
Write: 1:33
